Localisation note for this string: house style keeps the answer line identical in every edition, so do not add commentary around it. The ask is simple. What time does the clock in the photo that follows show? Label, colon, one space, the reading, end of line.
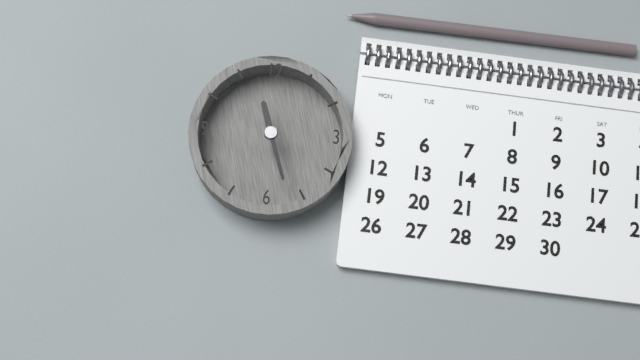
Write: 11:27
